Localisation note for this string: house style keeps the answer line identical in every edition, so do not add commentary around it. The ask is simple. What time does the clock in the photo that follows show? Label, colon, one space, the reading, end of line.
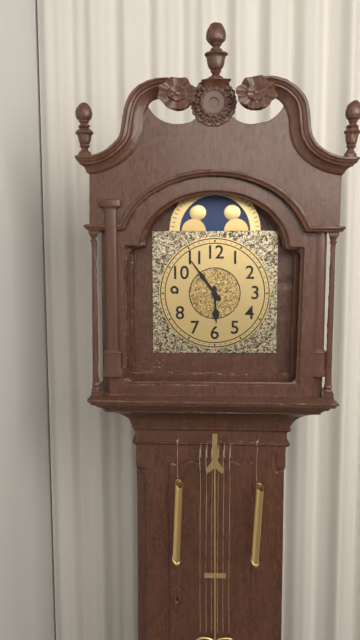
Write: 5:54
